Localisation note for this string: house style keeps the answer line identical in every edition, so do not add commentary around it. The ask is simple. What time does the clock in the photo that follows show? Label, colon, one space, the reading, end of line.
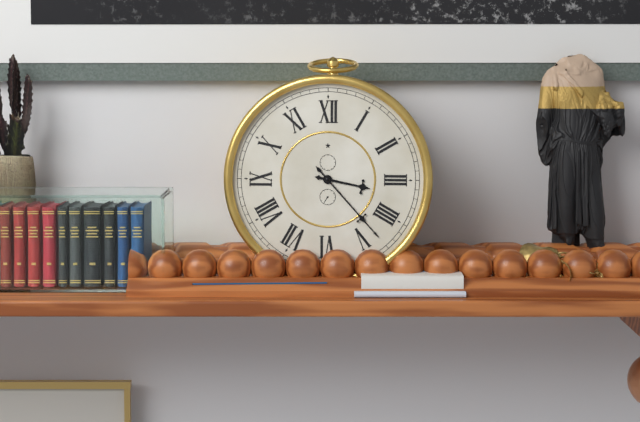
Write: 3:23
